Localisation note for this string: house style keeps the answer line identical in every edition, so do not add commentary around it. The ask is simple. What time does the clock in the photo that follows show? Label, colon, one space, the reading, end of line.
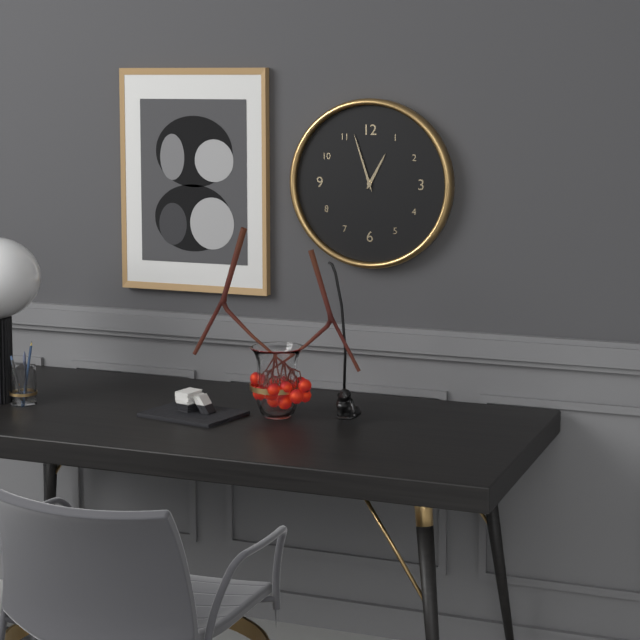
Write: 12:57
